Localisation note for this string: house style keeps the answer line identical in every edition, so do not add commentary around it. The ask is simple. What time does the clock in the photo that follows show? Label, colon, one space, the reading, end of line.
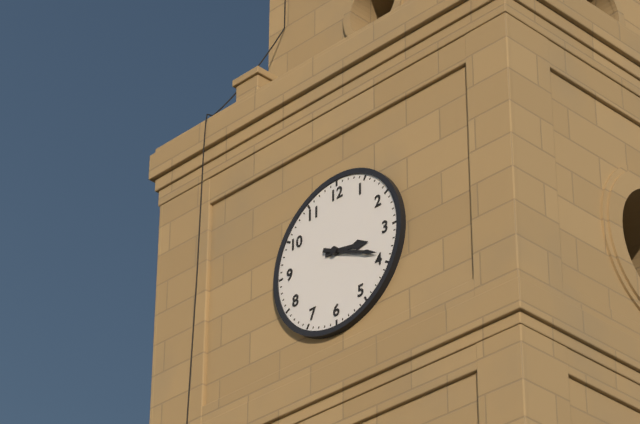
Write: 3:19
